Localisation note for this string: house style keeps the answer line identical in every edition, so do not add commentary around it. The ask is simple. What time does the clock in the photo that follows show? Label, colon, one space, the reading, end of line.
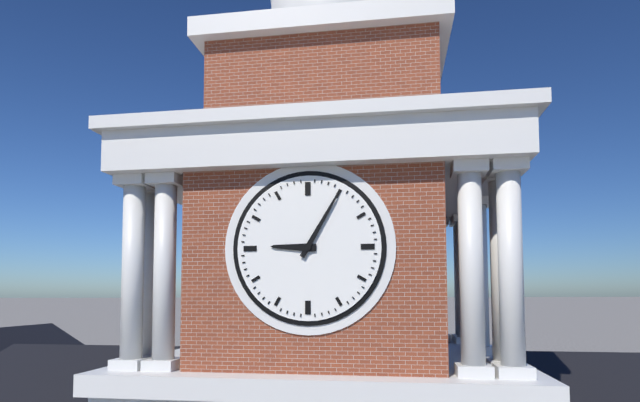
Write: 9:05
